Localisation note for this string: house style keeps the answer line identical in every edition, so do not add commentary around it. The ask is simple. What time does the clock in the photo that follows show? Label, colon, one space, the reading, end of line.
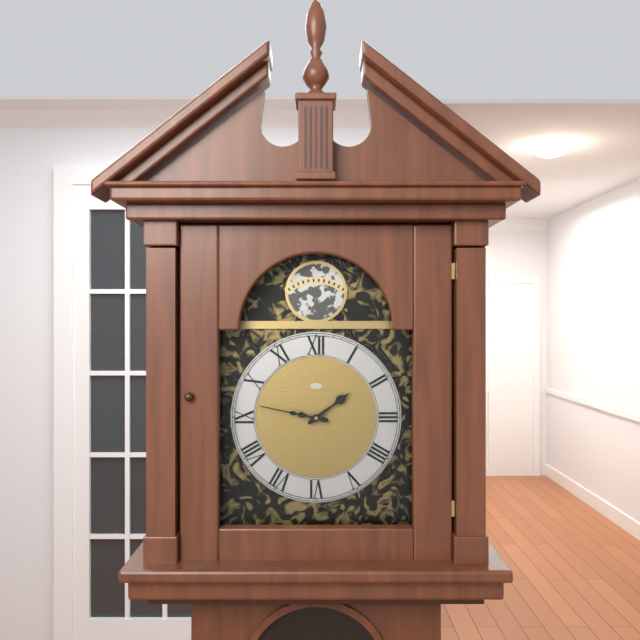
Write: 1:47
